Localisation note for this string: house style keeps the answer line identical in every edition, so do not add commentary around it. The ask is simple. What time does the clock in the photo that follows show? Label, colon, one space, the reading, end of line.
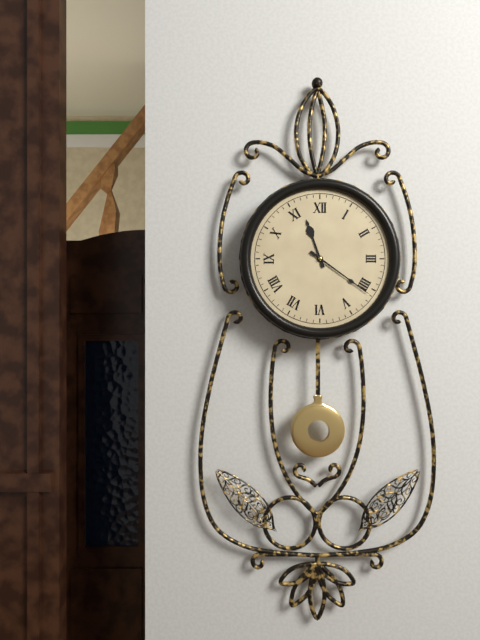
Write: 11:21
